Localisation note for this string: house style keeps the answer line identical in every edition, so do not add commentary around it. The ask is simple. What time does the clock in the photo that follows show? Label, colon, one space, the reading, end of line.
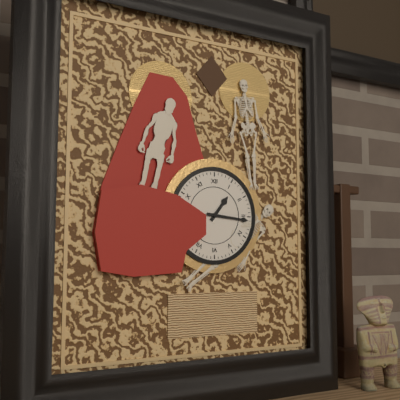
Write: 1:16
